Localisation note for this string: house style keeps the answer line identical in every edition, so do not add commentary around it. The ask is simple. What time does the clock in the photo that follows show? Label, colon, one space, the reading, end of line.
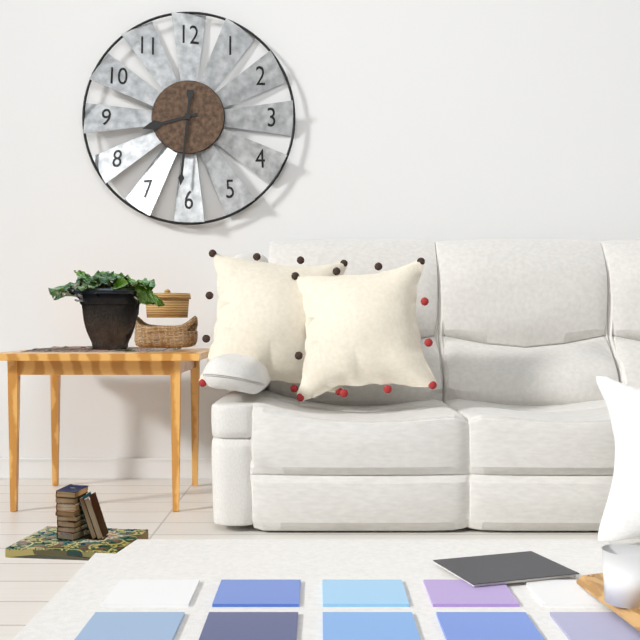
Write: 8:31
